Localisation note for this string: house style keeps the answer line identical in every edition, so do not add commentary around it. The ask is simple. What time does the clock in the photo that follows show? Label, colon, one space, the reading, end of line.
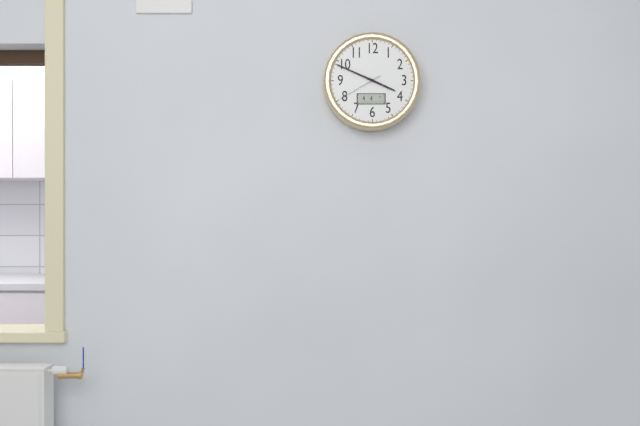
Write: 3:49
